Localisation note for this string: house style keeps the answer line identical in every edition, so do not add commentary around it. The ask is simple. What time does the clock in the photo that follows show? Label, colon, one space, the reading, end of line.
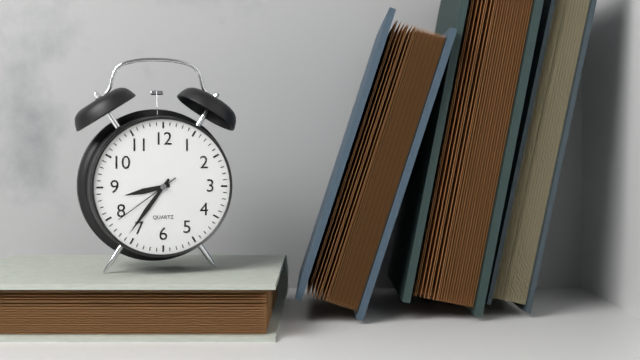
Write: 8:36:39
